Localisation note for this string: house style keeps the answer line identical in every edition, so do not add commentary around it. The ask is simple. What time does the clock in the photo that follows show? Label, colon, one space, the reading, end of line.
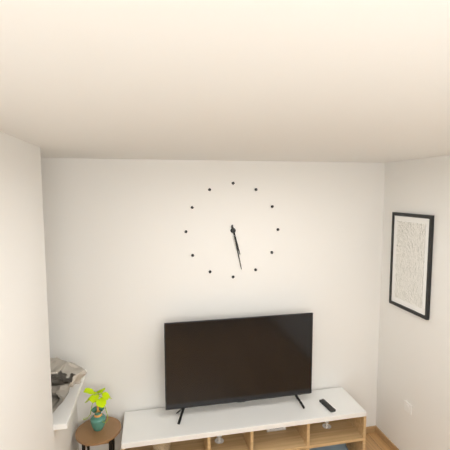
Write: 5:28
